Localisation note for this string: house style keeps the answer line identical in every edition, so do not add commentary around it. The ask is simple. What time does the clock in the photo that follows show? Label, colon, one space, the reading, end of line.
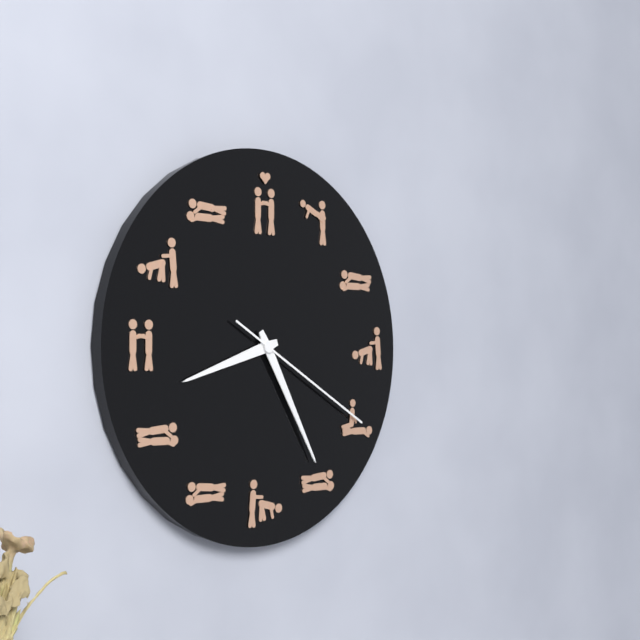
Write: 8:25:20
